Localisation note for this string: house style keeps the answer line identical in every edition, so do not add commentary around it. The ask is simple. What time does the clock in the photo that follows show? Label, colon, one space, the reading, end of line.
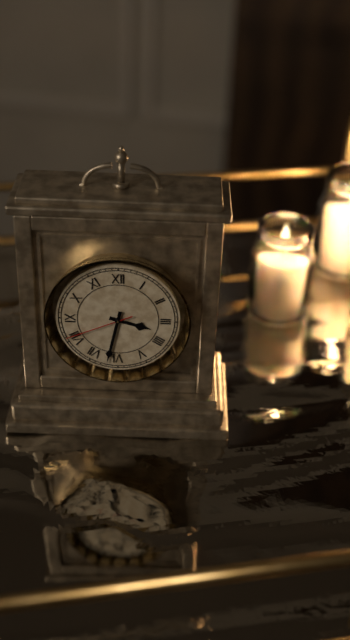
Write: 3:32:41
